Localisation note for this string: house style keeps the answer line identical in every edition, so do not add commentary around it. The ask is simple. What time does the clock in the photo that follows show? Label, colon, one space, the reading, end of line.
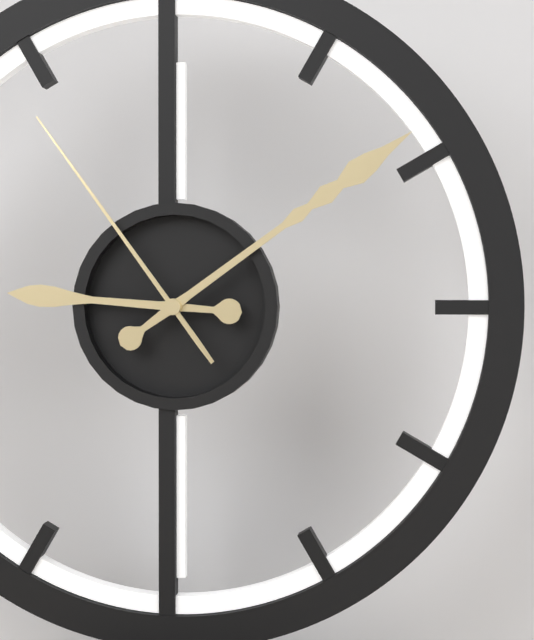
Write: 9:09:54
